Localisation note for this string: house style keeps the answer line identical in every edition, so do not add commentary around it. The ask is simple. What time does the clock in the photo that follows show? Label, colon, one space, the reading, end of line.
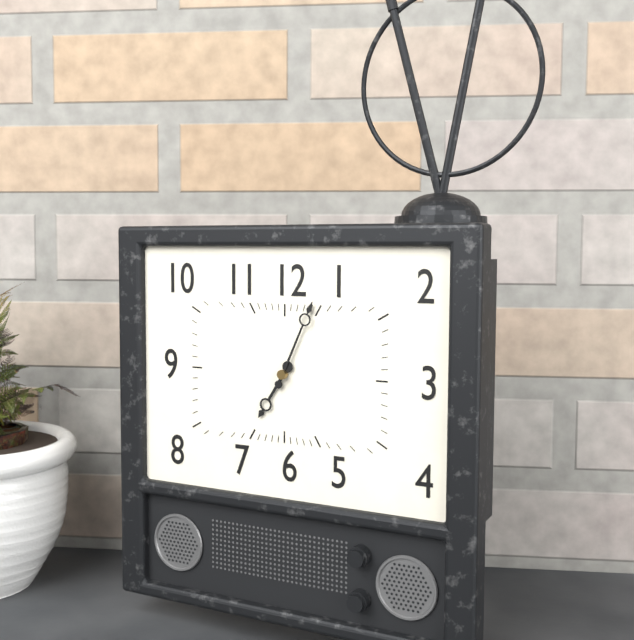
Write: 7:04
